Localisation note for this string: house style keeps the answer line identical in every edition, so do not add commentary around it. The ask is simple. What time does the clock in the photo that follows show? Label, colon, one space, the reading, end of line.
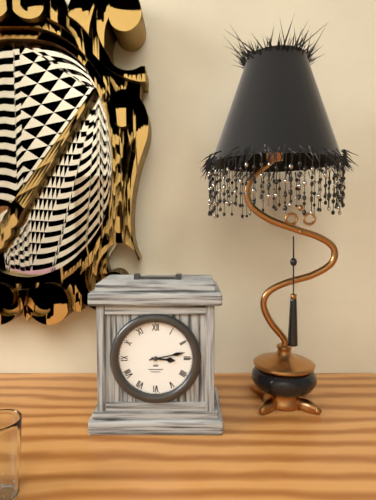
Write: 3:13
